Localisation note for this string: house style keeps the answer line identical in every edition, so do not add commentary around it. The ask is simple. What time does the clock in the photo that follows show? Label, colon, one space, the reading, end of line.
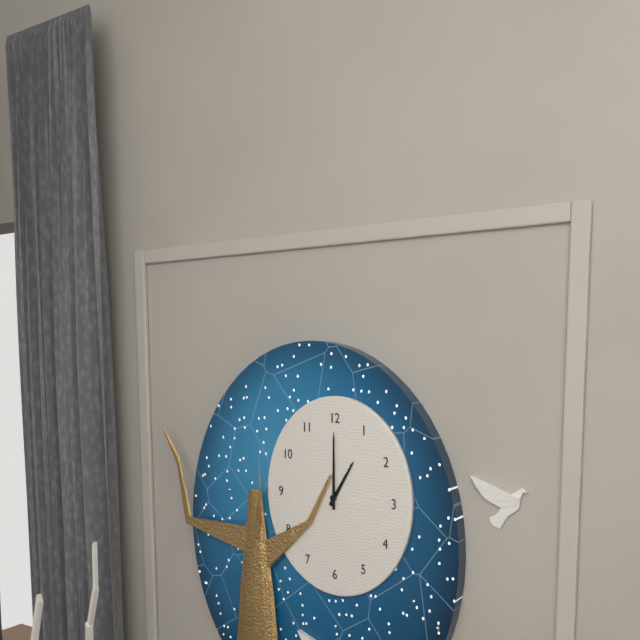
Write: 1:00
